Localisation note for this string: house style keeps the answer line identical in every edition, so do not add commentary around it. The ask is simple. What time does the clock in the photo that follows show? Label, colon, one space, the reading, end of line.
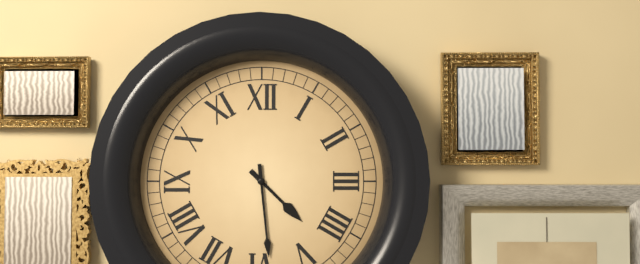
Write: 4:29
